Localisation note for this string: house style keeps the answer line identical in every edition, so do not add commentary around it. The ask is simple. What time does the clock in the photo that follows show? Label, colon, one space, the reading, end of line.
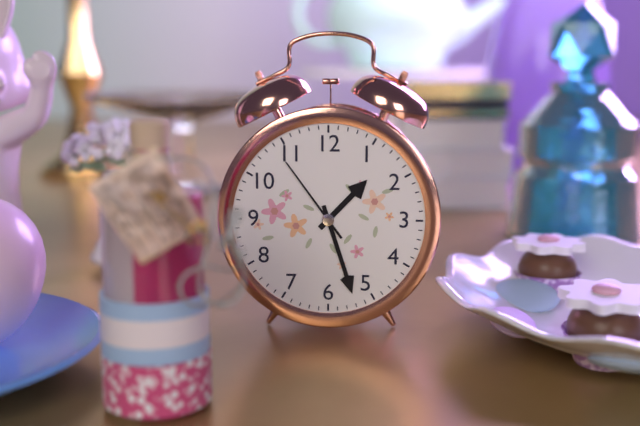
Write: 1:27:54
